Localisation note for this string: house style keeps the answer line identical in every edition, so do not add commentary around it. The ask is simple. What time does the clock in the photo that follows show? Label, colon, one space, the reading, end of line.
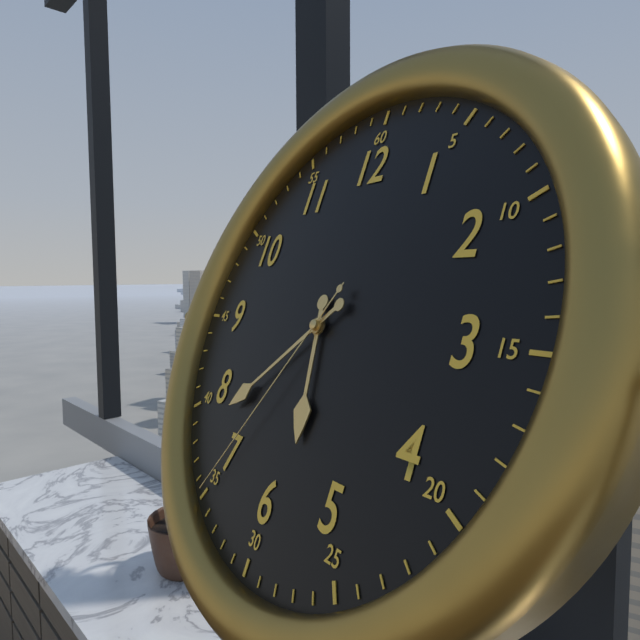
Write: 5:38:35
